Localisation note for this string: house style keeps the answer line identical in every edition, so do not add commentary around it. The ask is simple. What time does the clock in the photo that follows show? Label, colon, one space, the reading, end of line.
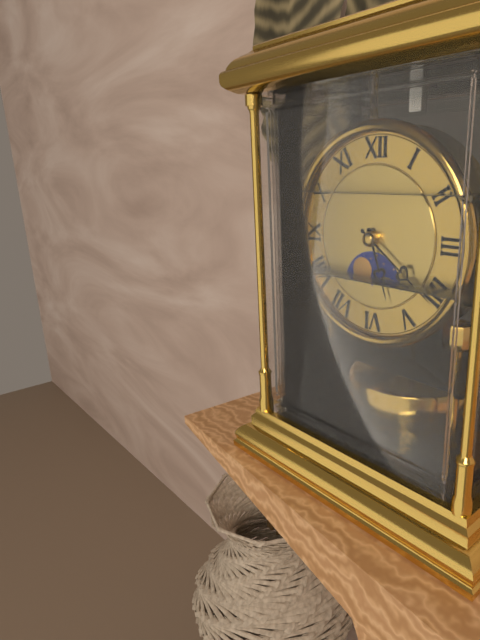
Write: 5:21
